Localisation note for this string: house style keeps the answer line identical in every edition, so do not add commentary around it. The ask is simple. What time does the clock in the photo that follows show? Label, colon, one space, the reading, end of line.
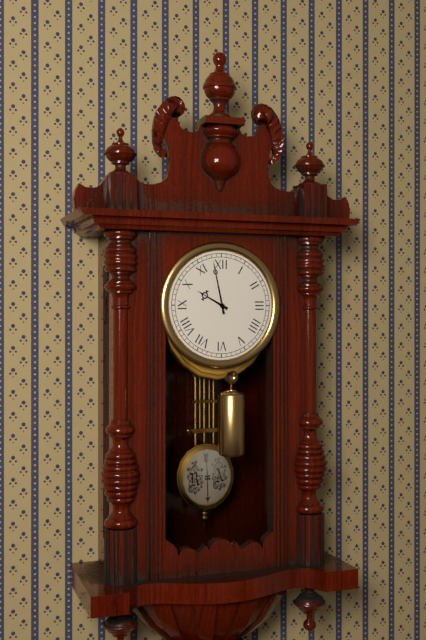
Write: 9:58
